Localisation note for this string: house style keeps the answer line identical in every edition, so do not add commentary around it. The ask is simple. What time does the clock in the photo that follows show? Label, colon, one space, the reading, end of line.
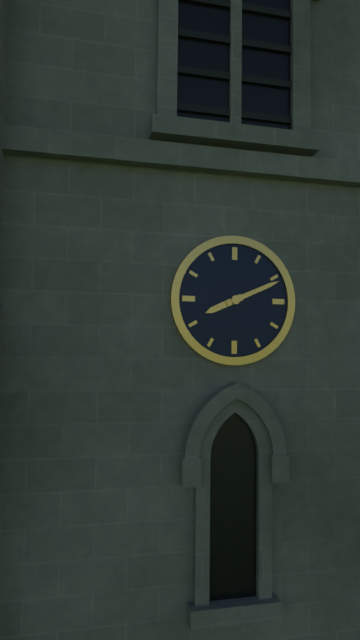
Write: 8:11
